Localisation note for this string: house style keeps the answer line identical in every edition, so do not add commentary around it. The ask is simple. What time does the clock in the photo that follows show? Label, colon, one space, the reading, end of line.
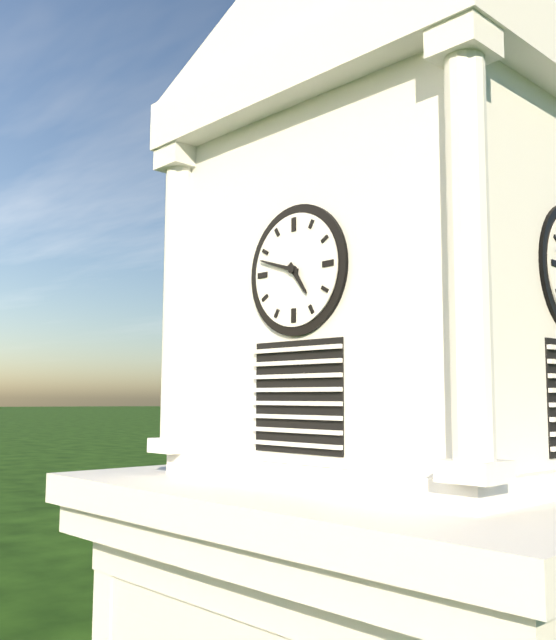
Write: 4:48
